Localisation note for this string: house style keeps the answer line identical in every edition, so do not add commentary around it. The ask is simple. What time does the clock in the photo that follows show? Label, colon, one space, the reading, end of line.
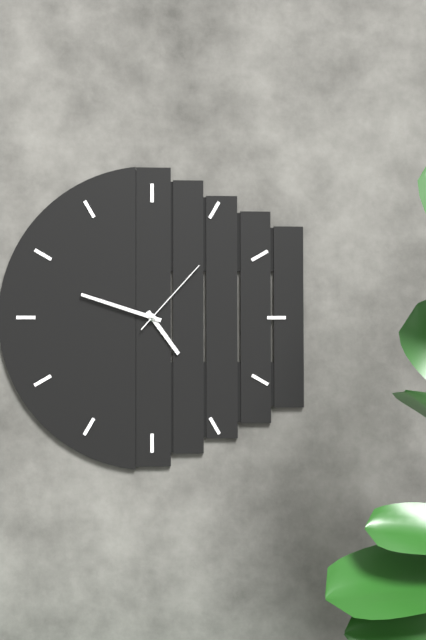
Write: 4:48:07
